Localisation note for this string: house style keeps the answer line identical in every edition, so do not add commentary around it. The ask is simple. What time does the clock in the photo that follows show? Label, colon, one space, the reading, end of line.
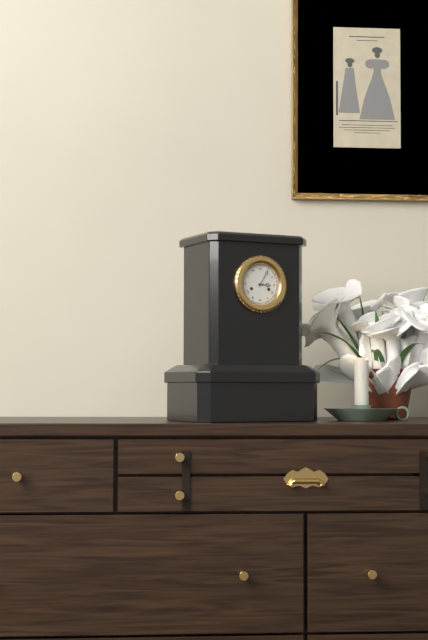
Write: 3:05
